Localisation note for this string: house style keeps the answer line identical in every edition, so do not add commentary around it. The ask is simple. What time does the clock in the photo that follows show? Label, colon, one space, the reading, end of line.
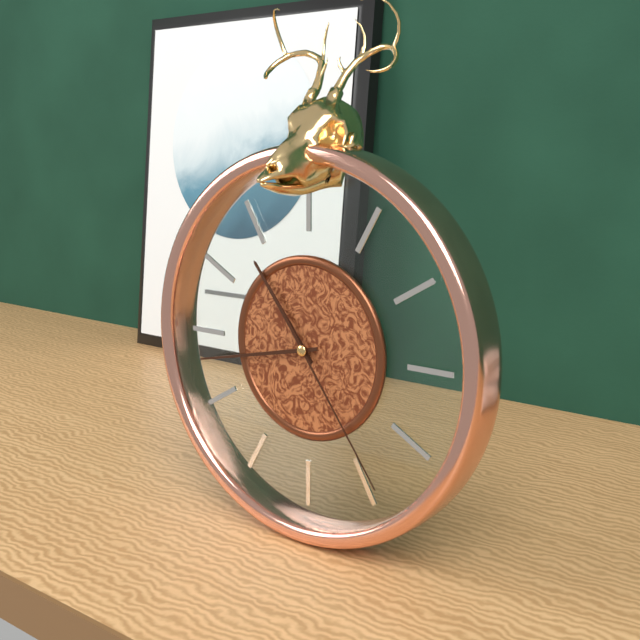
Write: 10:43:24
